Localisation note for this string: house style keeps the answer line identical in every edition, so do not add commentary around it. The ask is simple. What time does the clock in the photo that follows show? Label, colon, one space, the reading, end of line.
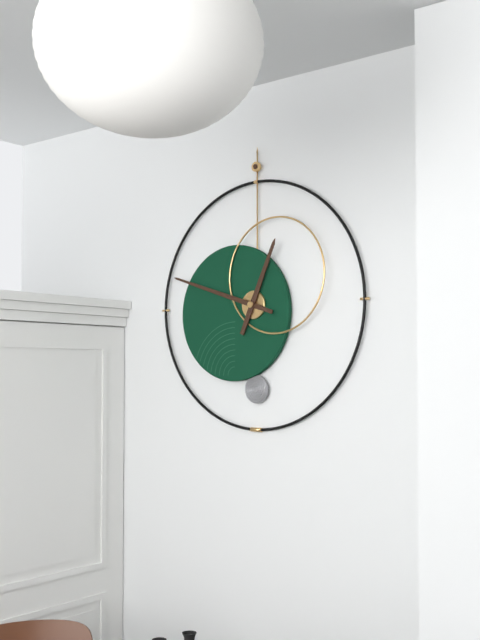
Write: 12:48
